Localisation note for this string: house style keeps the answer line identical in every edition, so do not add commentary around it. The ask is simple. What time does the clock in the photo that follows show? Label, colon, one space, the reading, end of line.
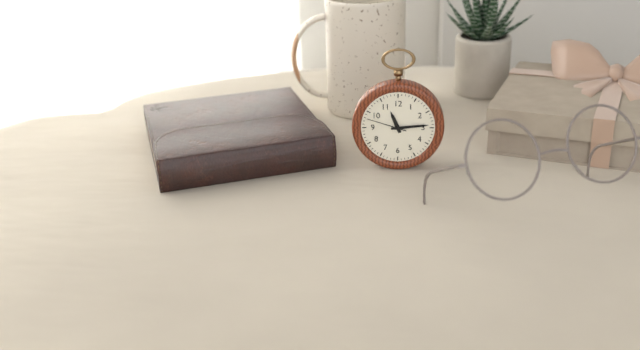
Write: 11:14
